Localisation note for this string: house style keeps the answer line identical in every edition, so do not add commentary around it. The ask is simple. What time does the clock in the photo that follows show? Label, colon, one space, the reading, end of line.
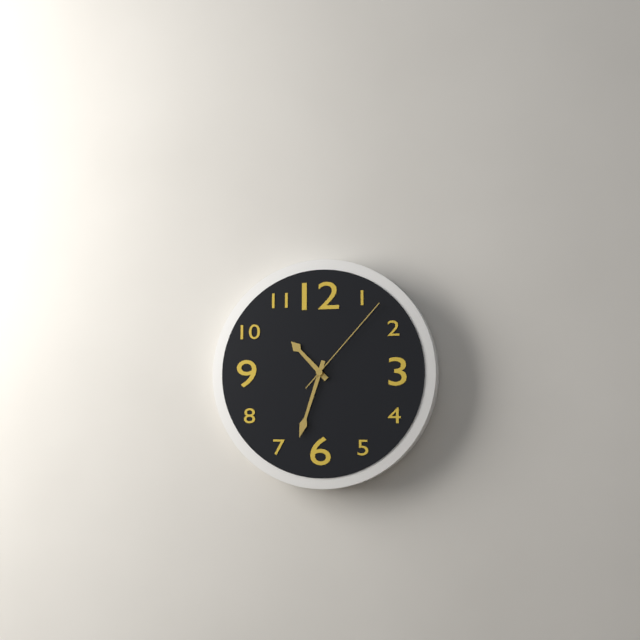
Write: 10:33:07
